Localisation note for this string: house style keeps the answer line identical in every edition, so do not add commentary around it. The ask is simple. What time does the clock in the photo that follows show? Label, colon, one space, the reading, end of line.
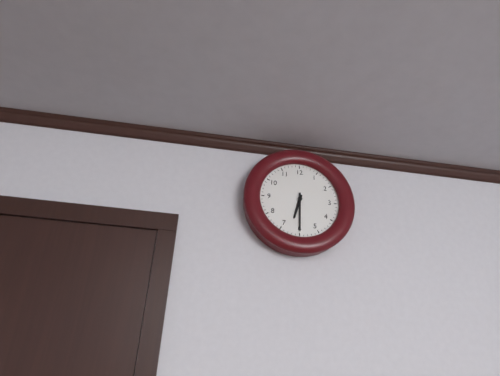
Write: 6:30
